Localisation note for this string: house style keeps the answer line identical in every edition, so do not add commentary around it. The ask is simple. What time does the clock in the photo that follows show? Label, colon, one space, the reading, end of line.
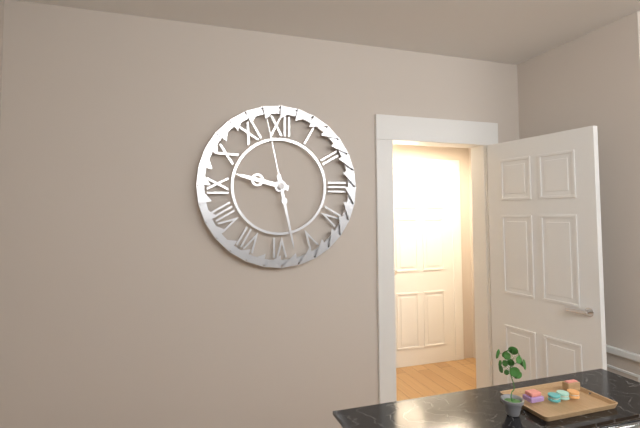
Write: 9:28:58
